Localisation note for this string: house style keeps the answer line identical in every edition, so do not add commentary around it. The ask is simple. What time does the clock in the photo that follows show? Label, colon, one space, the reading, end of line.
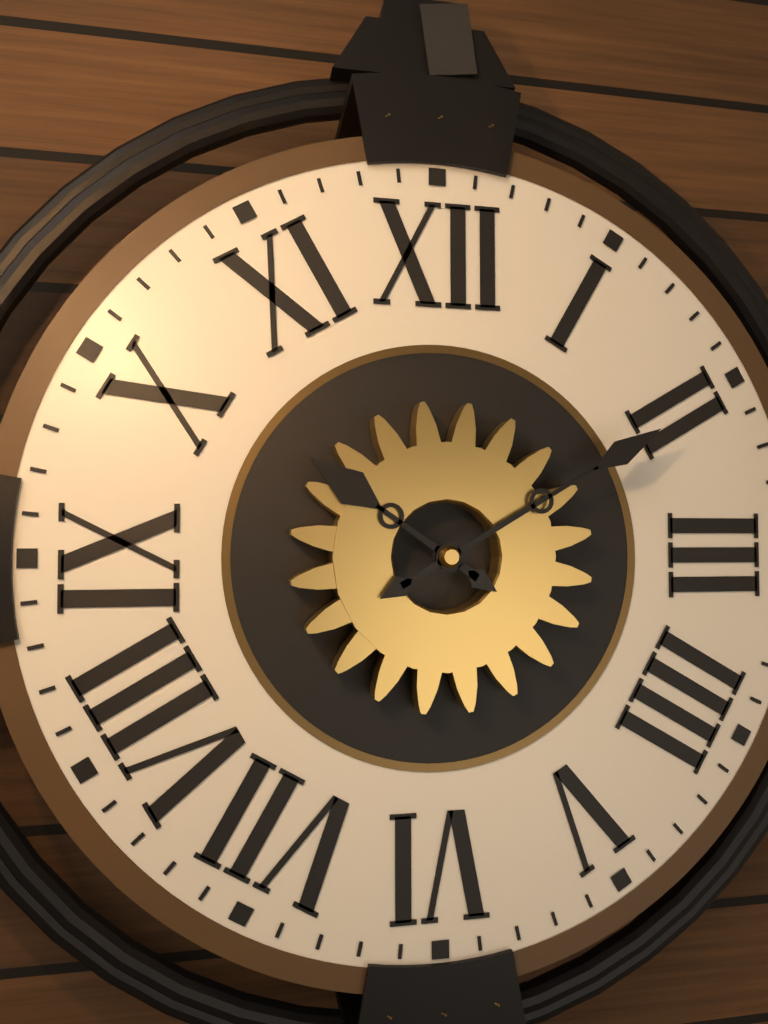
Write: 10:10
